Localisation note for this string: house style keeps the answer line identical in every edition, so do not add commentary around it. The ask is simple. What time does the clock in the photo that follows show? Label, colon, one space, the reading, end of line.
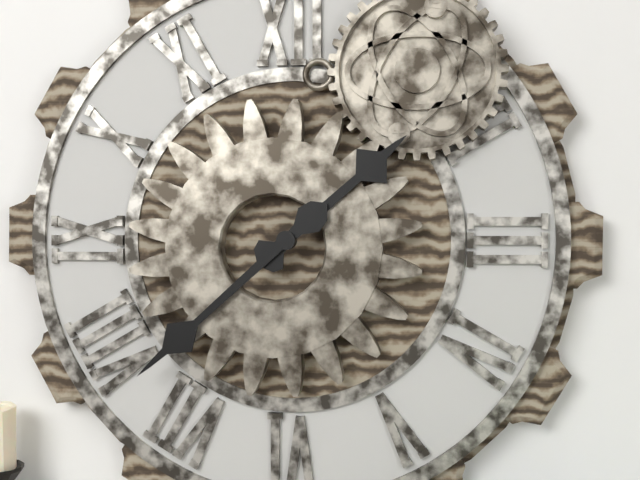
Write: 1:38
